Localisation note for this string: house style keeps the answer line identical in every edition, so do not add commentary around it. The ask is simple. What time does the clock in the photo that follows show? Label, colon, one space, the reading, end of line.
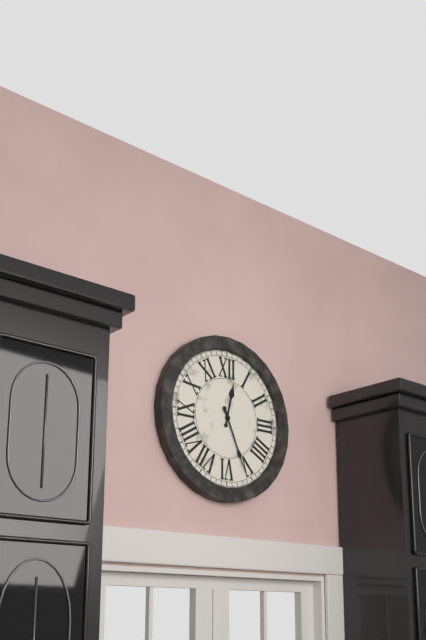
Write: 12:26
